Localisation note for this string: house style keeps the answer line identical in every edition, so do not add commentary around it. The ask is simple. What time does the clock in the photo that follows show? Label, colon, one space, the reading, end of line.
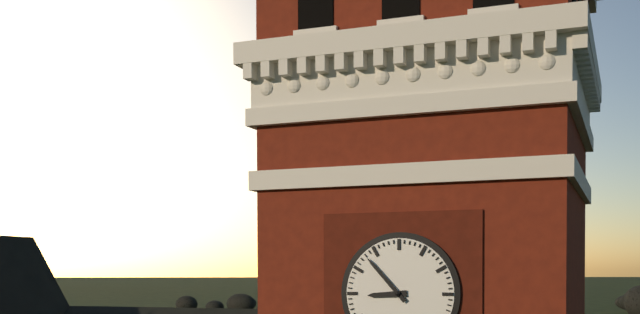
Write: 8:53
